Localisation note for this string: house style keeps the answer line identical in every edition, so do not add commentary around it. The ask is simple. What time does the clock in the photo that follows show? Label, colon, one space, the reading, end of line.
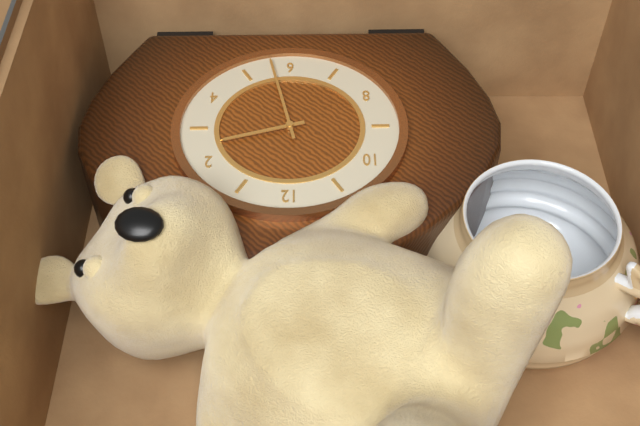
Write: 2:28
